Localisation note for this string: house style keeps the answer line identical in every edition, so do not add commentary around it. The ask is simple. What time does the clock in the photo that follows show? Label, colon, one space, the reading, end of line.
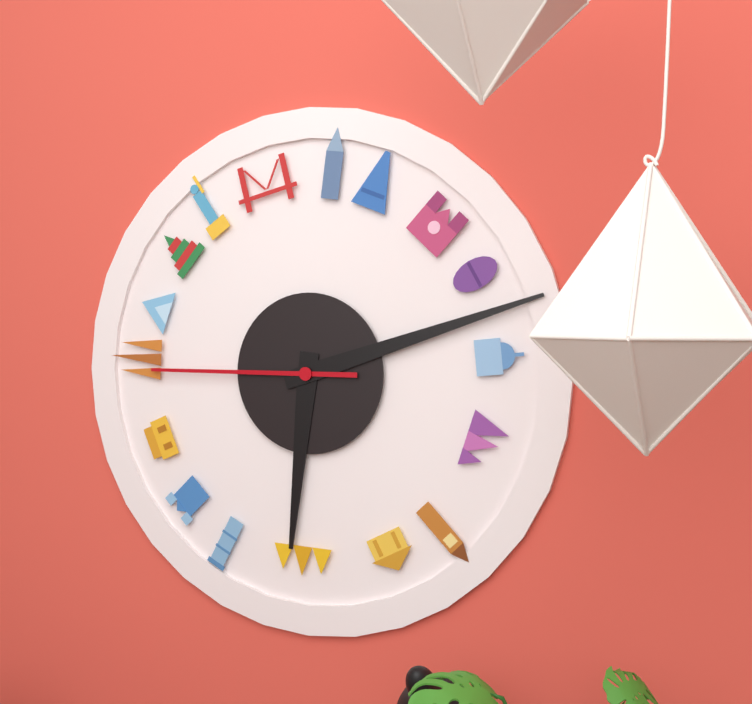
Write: 6:12:45
